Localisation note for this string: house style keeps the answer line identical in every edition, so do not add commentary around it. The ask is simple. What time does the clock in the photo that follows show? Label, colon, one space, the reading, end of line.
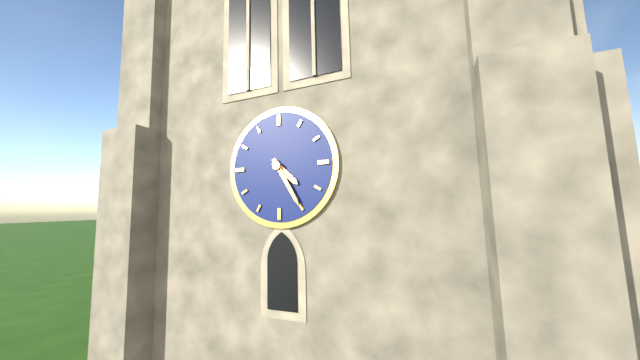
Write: 4:25
